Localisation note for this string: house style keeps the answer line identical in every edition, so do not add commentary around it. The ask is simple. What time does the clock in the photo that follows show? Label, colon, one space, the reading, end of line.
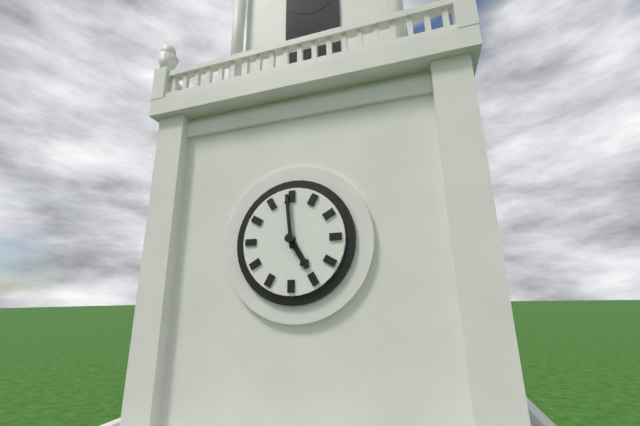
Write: 4:59
